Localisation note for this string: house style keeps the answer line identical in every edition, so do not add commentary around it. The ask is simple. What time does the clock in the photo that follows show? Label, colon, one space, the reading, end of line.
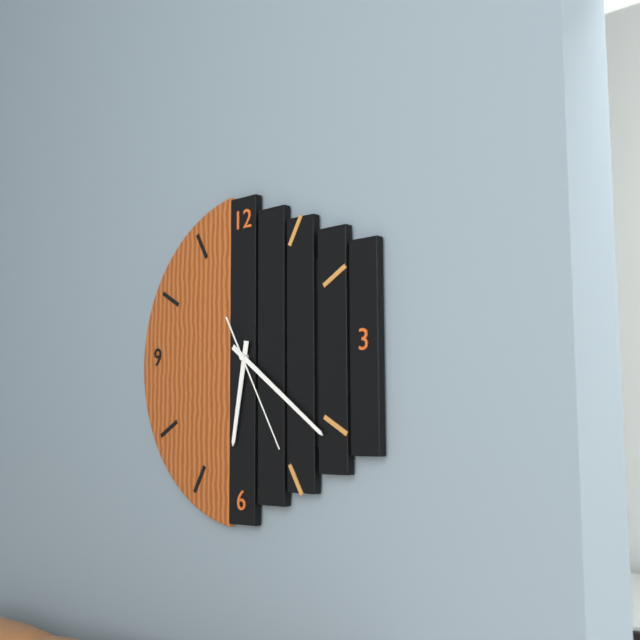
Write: 6:21:25
